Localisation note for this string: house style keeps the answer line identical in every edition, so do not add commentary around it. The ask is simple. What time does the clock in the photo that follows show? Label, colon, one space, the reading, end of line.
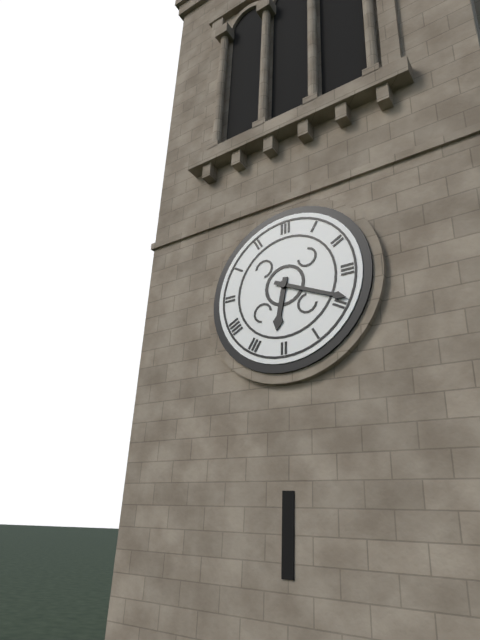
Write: 6:19
